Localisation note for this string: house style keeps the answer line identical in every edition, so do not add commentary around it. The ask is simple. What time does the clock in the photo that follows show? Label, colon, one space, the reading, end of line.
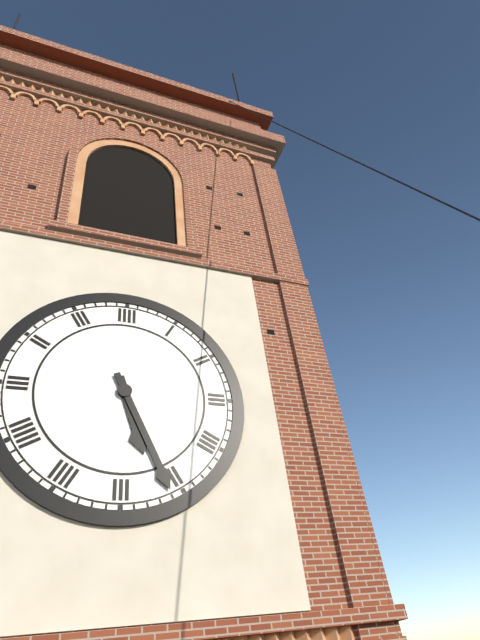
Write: 5:26
